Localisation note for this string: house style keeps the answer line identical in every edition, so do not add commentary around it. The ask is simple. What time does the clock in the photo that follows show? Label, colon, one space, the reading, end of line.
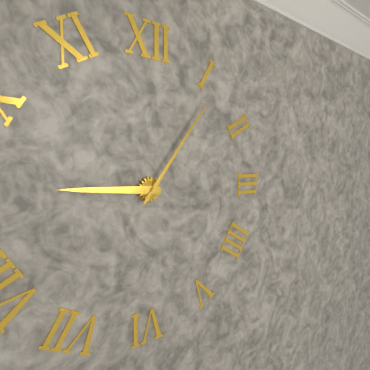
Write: 9:06
